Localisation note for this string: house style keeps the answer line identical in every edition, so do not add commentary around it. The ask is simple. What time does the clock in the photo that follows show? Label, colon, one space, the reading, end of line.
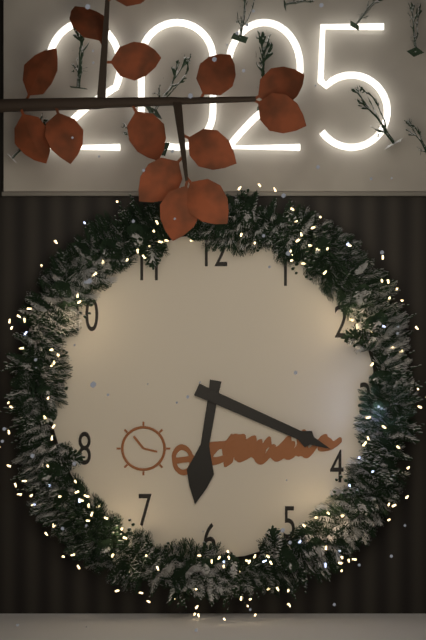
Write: 6:19
